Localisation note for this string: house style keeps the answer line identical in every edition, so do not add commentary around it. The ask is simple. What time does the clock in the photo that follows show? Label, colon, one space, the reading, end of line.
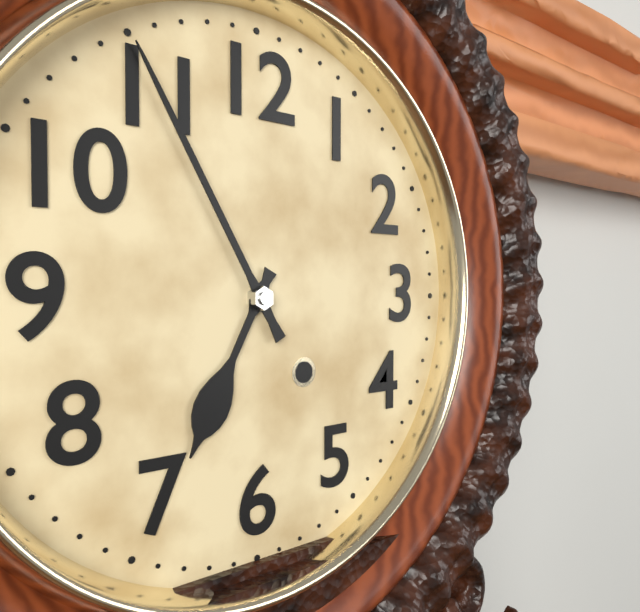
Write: 6:55
